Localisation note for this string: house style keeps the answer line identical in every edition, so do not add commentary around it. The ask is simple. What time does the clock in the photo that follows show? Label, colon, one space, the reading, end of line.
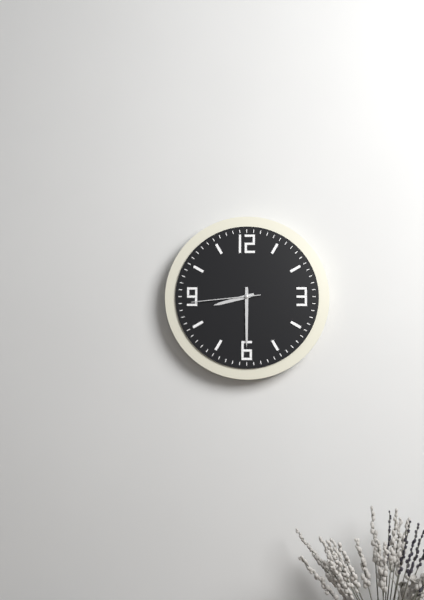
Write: 8:30:44
